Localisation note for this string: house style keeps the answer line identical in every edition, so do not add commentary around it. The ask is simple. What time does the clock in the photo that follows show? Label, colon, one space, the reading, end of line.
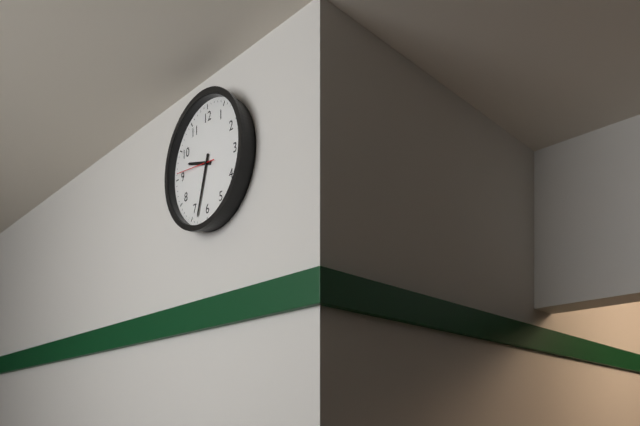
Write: 9:33
